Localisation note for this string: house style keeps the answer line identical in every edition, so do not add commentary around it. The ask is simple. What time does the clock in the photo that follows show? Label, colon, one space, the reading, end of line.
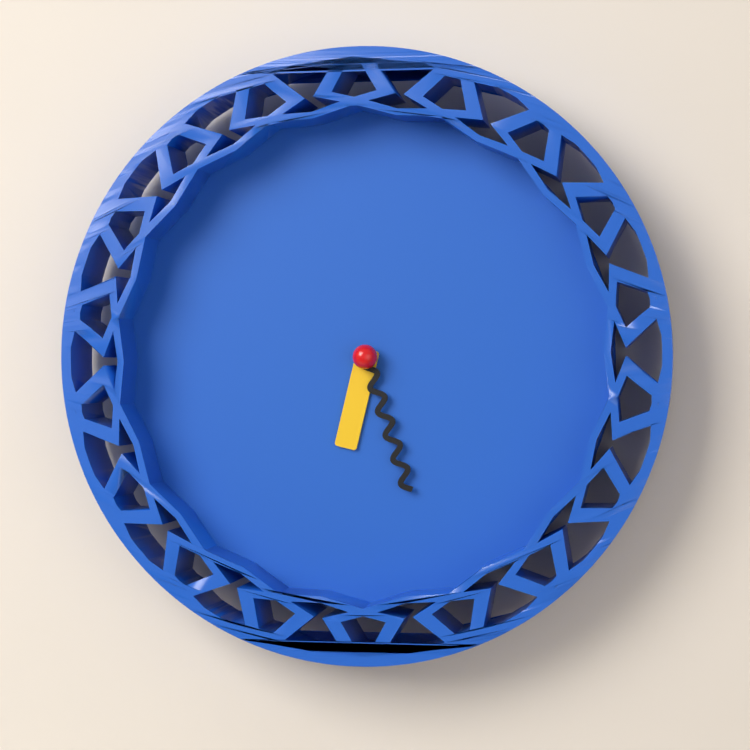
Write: 6:27
